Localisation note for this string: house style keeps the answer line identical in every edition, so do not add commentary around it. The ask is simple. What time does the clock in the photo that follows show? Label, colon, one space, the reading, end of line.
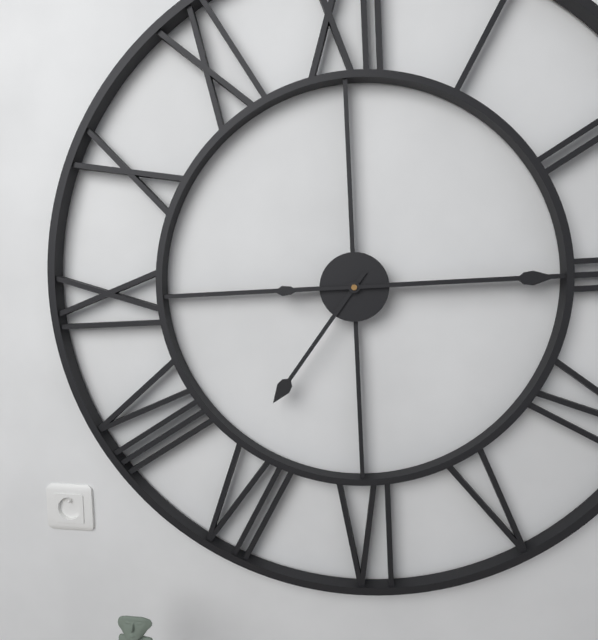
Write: 7:15
